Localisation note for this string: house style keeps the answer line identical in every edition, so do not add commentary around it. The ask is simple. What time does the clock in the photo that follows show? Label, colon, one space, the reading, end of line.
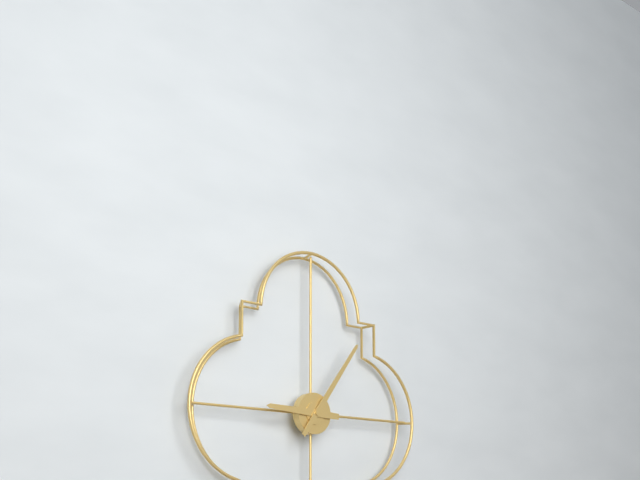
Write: 9:06
